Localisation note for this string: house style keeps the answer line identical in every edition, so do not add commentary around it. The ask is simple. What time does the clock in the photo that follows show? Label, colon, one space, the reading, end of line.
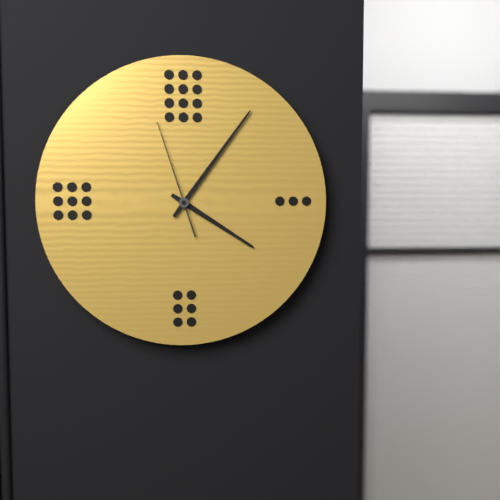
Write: 4:06:57
